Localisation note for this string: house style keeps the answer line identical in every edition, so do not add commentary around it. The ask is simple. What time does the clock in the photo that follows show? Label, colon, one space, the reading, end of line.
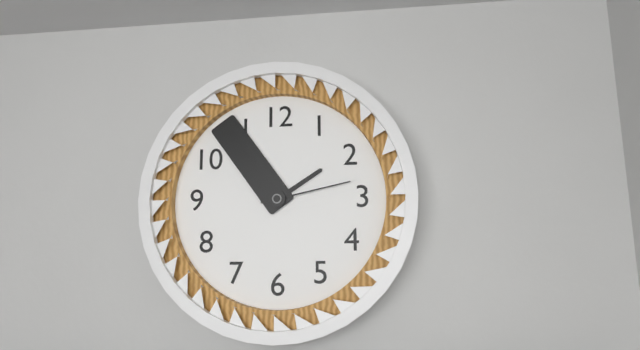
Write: 1:54:13
